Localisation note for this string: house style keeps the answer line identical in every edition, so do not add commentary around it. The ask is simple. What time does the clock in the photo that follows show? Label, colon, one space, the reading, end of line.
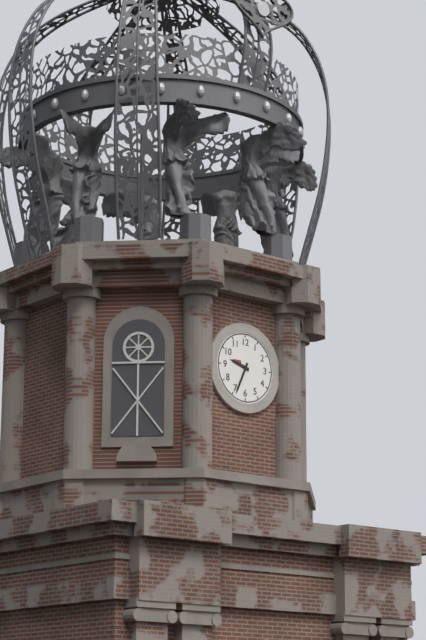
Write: 9:34
